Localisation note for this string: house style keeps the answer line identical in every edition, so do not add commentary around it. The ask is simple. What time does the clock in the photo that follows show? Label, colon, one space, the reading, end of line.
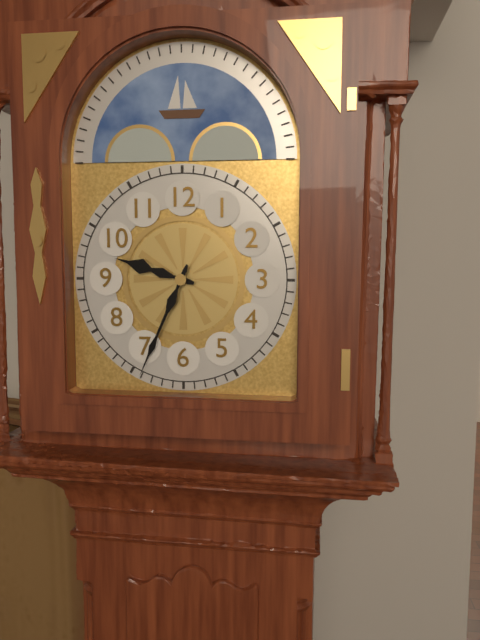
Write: 9:34
